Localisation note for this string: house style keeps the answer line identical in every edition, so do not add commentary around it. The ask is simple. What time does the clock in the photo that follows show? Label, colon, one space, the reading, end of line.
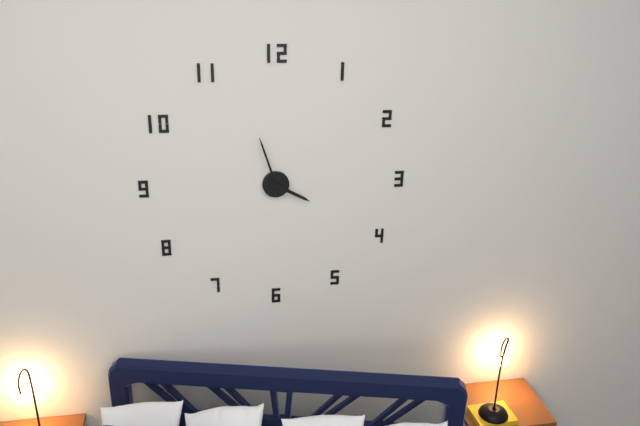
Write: 3:57
